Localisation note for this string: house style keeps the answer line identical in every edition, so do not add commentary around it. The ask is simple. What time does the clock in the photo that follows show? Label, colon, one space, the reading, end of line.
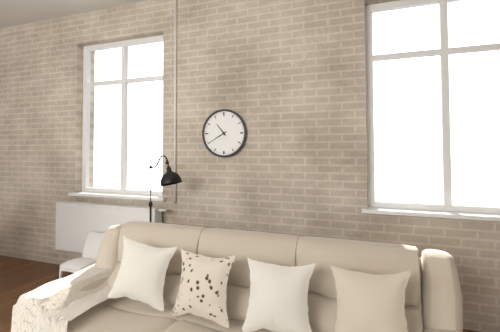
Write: 10:40
